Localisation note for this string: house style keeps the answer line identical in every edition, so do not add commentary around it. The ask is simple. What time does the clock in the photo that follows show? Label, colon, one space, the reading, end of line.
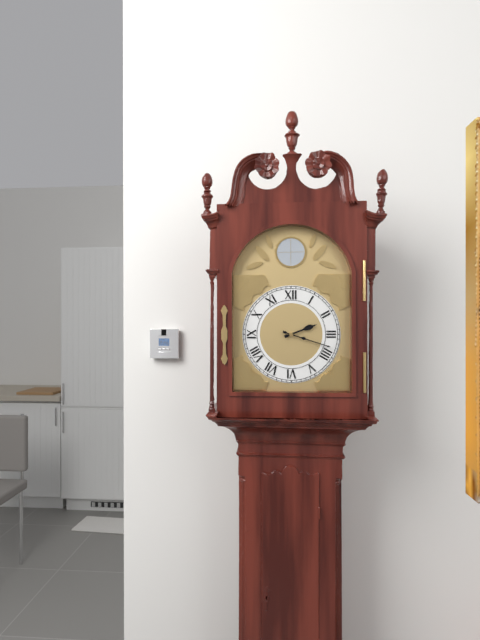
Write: 2:18
